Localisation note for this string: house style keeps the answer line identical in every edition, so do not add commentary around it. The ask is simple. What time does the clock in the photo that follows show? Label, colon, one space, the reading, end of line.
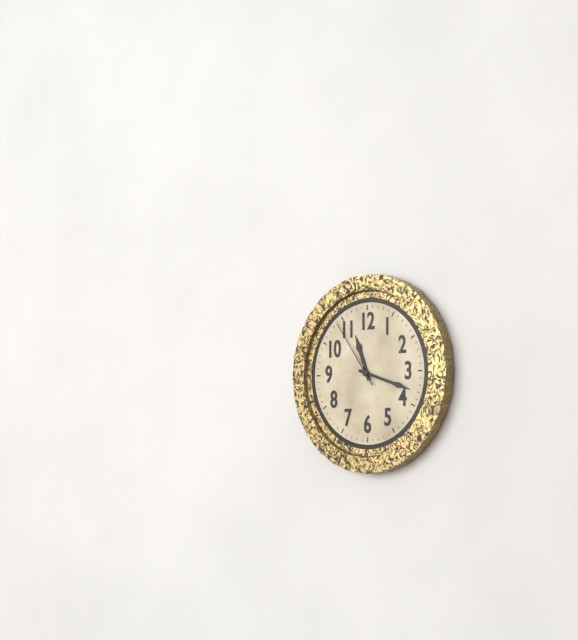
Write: 11:18:54
